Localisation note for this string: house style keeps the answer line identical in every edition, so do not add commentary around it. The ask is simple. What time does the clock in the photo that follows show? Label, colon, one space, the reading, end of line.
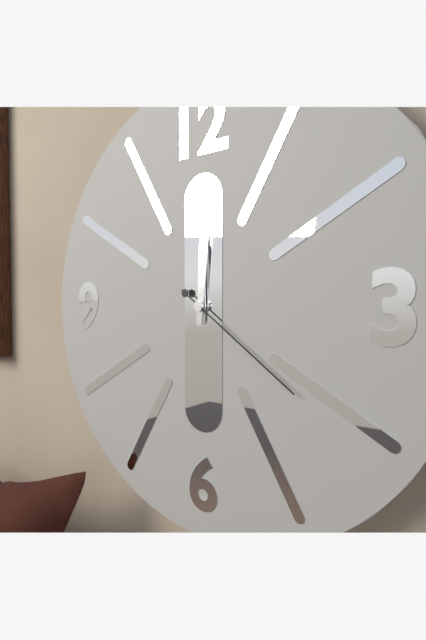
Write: 12:01:21
